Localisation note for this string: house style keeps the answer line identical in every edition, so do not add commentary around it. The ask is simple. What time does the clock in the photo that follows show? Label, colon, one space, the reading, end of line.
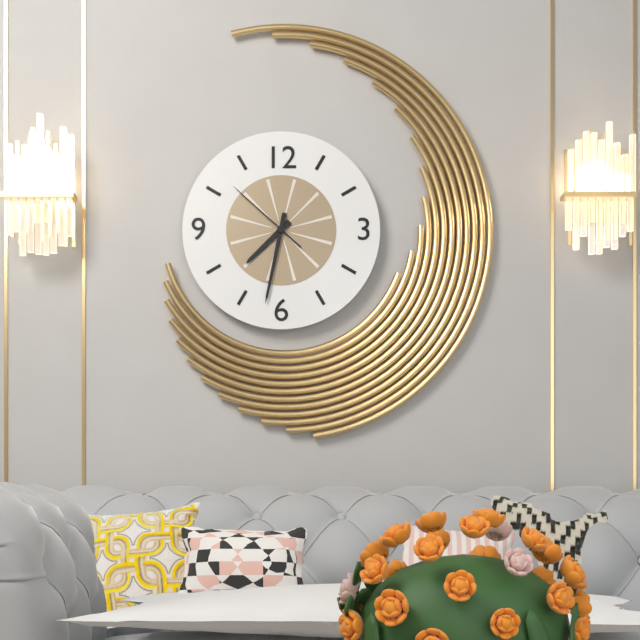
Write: 7:32:52
